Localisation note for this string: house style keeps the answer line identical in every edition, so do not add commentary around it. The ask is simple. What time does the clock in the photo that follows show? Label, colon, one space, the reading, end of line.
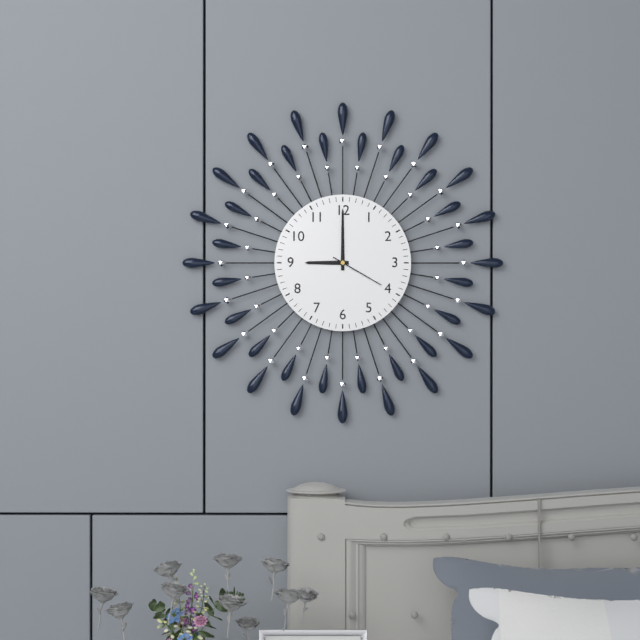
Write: 9:00:20
